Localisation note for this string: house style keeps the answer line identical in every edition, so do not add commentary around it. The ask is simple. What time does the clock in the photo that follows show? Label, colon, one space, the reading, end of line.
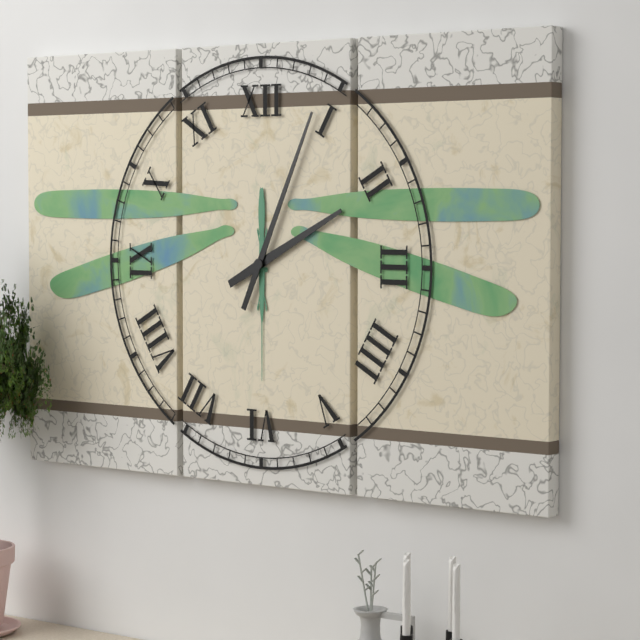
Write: 2:04
